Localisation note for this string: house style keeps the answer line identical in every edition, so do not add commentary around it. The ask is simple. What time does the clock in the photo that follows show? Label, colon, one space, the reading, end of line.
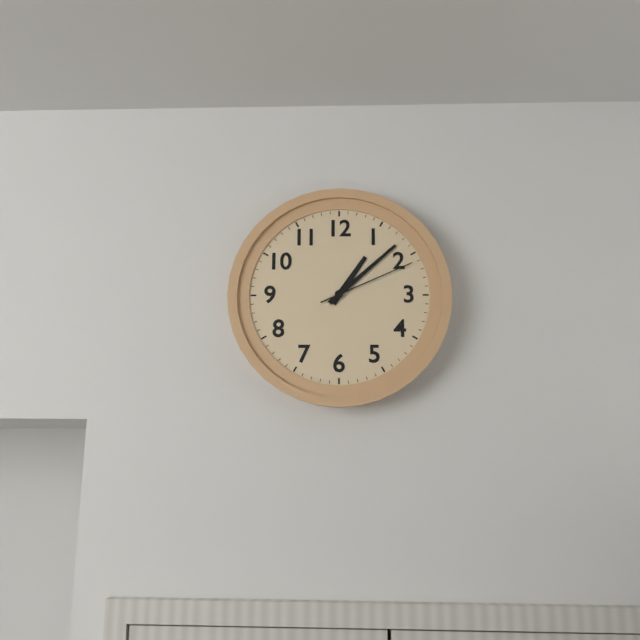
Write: 1:08:11
